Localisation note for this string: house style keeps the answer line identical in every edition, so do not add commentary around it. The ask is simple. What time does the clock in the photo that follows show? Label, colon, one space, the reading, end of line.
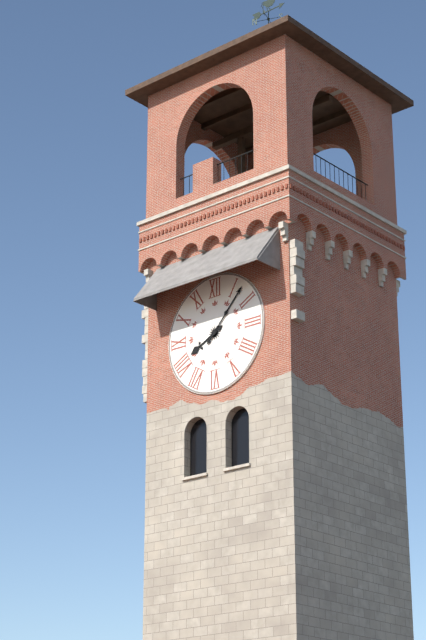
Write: 8:07
